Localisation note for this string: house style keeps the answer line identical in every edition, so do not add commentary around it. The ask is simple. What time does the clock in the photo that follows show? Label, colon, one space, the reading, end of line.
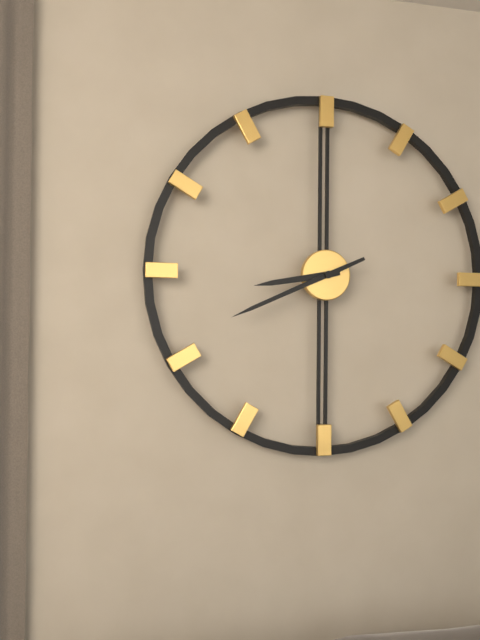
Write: 8:41
